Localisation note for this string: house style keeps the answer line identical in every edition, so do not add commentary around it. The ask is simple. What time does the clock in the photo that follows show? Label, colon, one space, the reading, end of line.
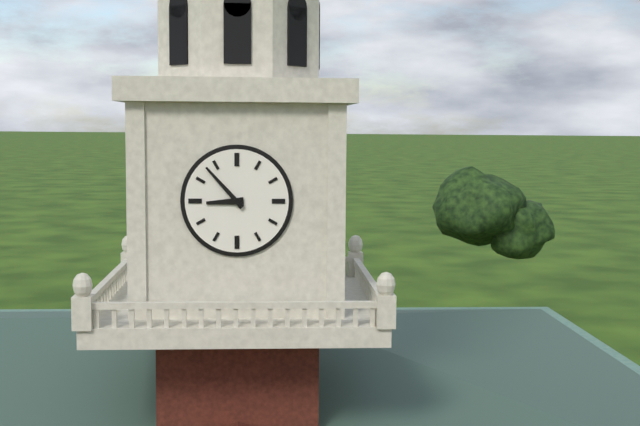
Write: 8:53
